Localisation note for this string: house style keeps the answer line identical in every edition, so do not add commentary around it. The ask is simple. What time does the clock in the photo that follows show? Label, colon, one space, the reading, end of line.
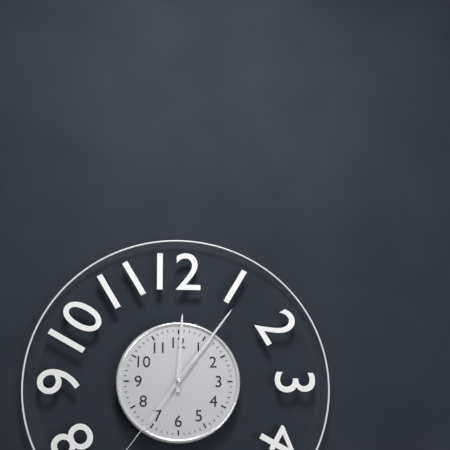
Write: 12:06
